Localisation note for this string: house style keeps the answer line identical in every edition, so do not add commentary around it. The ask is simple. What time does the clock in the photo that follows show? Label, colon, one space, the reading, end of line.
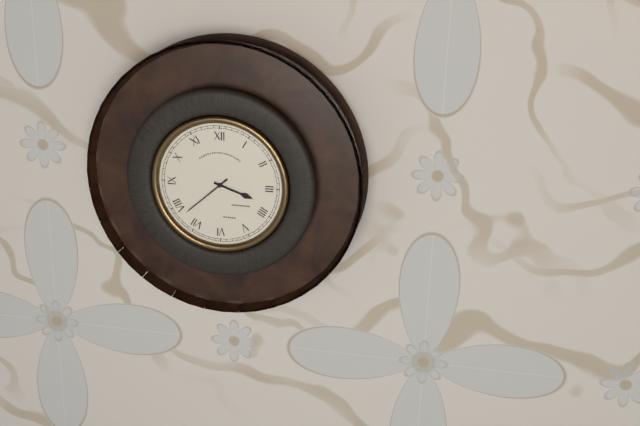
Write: 3:38
